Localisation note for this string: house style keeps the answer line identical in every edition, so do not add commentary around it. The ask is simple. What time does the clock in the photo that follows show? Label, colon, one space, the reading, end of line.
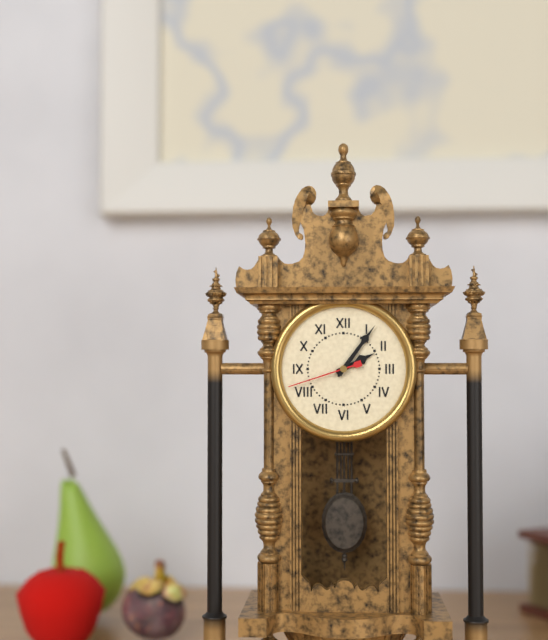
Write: 2:06:42
